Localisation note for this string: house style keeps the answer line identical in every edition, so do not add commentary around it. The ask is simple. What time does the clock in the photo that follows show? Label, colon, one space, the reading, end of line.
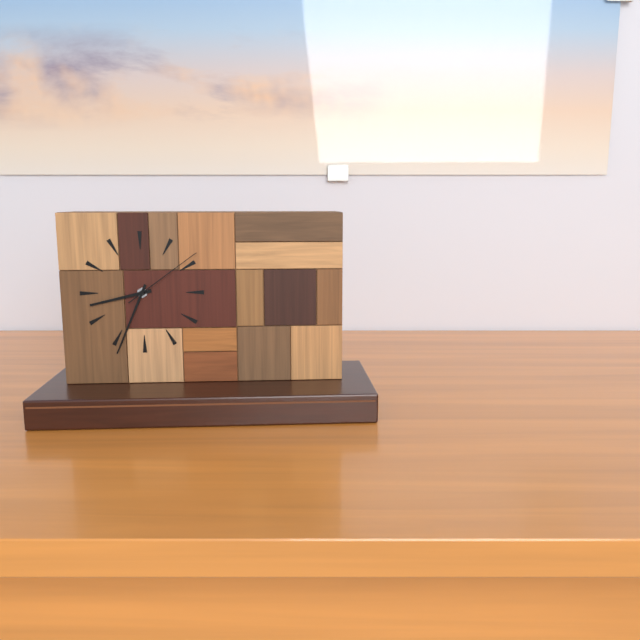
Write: 8:34:09
